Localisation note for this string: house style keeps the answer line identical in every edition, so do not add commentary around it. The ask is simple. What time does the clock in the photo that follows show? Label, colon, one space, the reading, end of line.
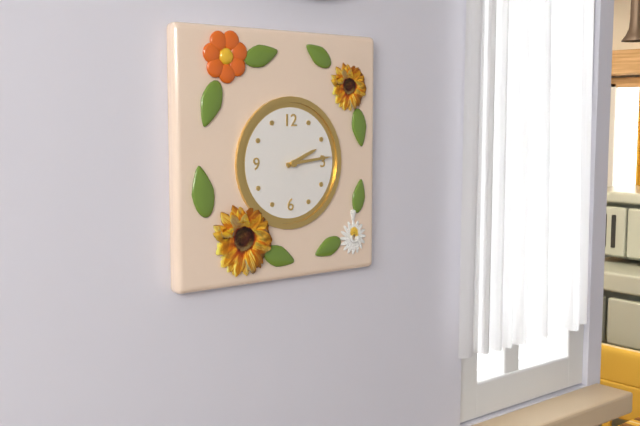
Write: 2:14
